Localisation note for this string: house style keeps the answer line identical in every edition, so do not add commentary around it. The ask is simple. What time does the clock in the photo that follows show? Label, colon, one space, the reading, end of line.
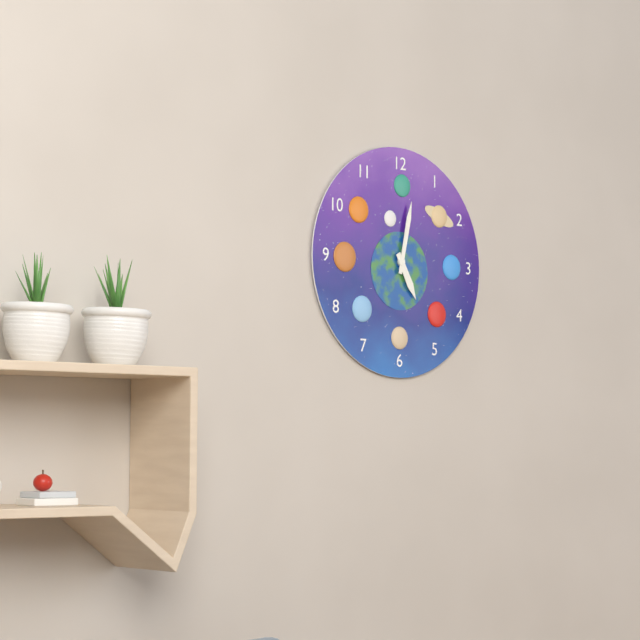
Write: 5:02
